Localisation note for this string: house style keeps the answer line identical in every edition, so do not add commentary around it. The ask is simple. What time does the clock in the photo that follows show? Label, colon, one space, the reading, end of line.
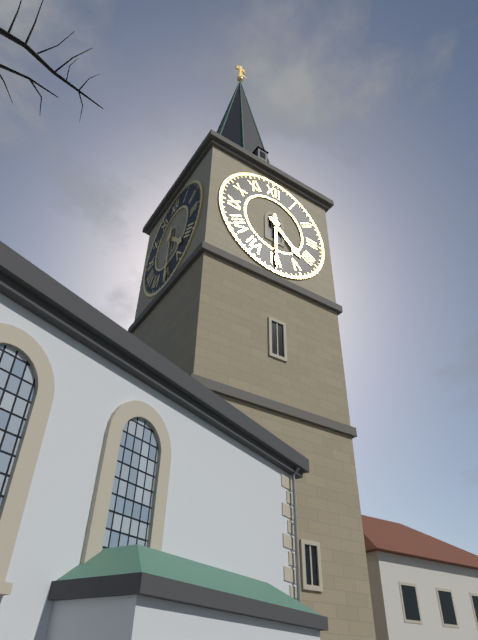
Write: 4:30
